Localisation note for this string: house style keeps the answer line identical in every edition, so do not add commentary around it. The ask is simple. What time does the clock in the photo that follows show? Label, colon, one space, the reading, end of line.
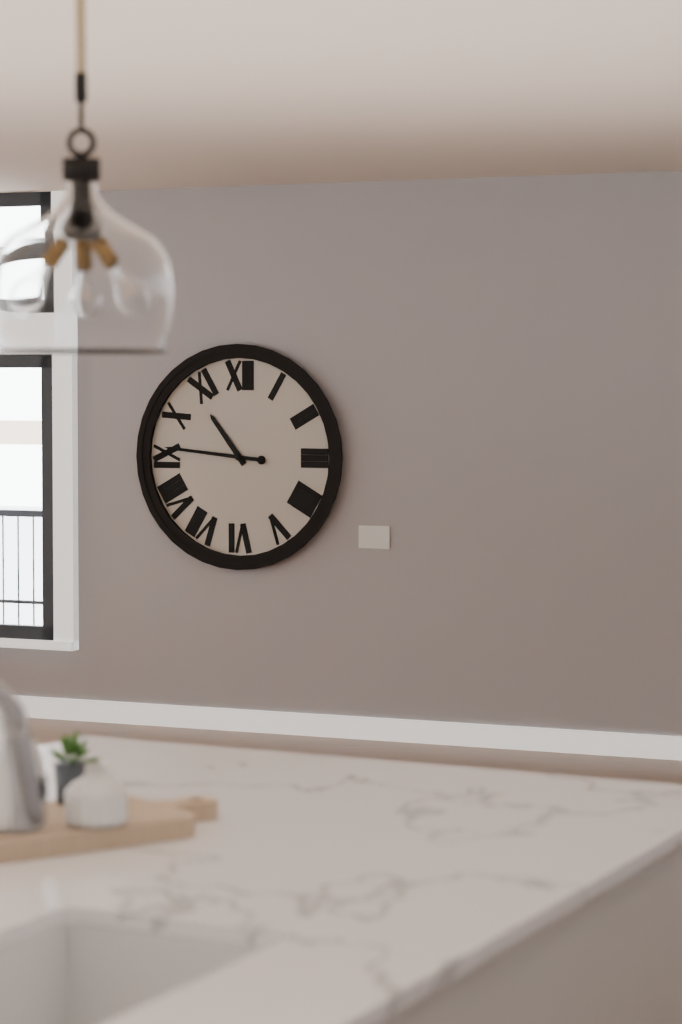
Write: 10:46
